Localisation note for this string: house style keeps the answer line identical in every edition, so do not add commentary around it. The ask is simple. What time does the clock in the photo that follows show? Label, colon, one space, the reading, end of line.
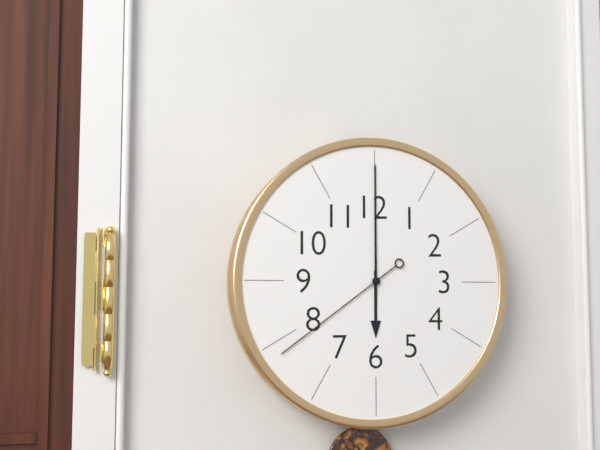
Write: 6:00:39
